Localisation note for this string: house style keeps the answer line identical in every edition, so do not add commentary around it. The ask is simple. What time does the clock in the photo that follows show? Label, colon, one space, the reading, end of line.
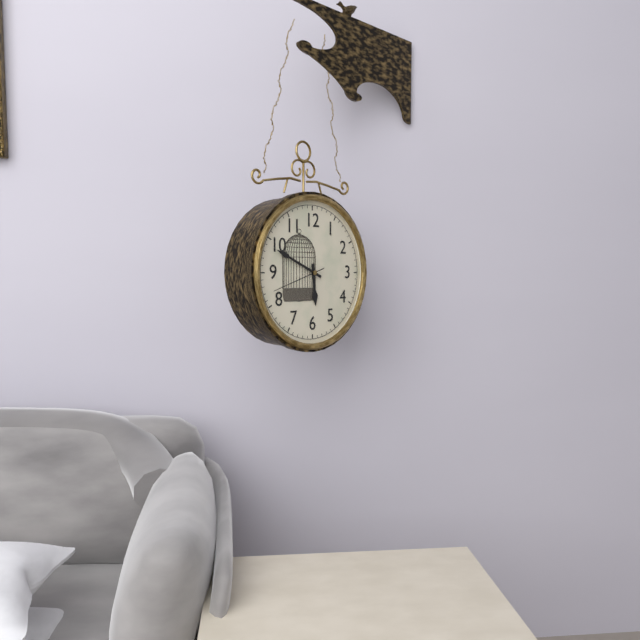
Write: 5:49:42
